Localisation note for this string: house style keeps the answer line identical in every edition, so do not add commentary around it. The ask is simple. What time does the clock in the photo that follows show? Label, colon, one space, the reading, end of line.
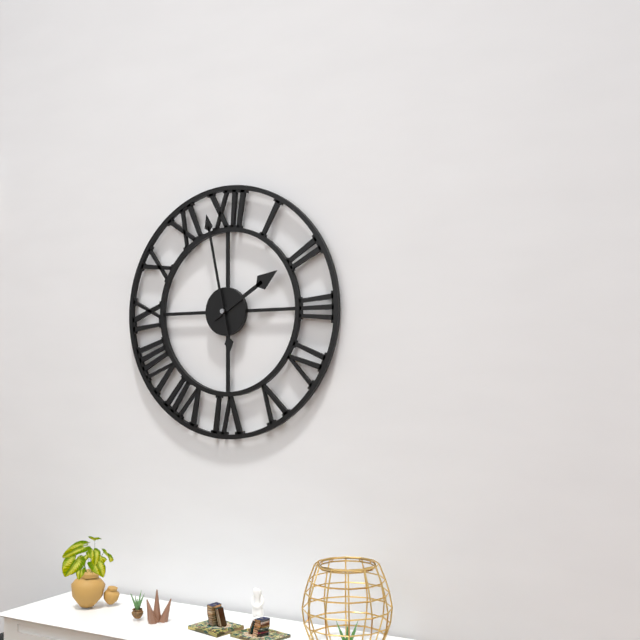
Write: 1:58
